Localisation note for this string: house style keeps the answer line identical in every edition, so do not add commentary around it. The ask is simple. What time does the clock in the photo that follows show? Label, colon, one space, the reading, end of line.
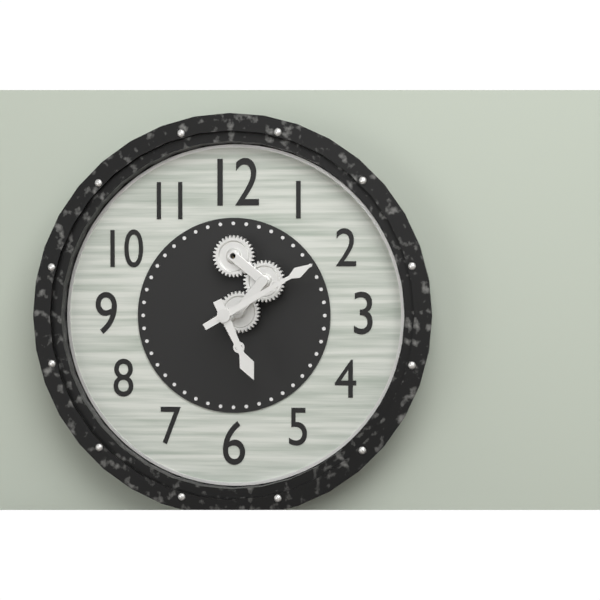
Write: 5:10
